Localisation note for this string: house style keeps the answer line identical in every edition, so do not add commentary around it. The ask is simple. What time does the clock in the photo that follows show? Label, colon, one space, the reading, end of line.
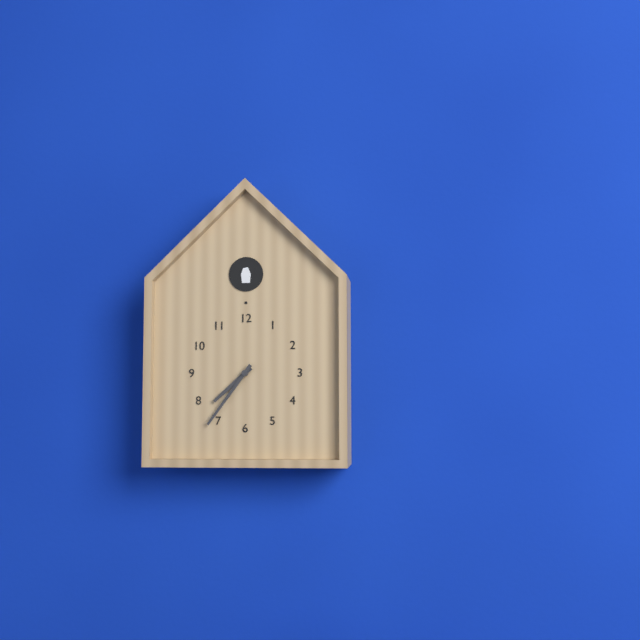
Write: 7:36
